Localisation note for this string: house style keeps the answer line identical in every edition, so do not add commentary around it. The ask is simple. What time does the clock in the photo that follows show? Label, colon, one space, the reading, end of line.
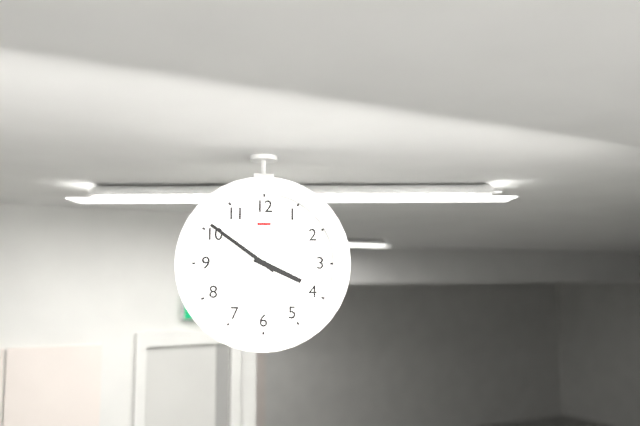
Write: 3:51
